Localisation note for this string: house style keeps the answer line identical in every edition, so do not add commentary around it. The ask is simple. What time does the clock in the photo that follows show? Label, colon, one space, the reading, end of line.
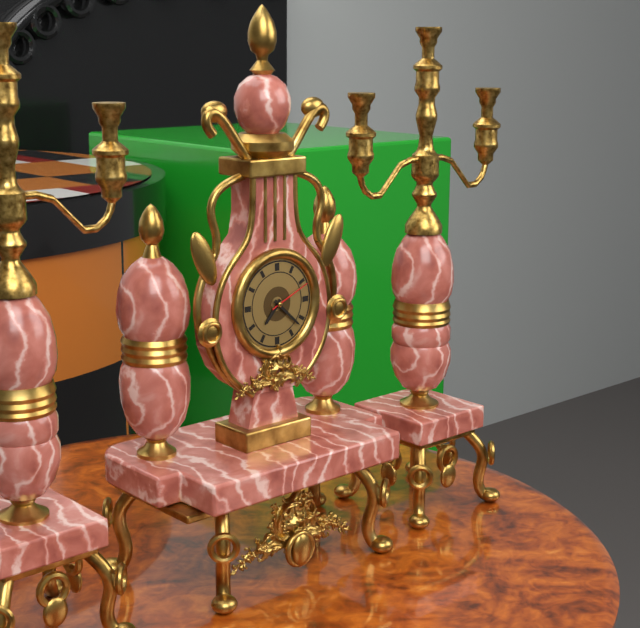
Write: 7:22
